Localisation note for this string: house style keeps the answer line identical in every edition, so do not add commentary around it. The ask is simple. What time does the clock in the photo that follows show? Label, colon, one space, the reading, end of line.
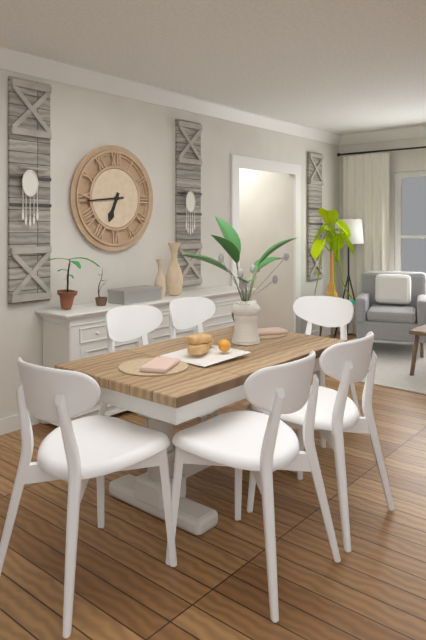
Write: 6:44
